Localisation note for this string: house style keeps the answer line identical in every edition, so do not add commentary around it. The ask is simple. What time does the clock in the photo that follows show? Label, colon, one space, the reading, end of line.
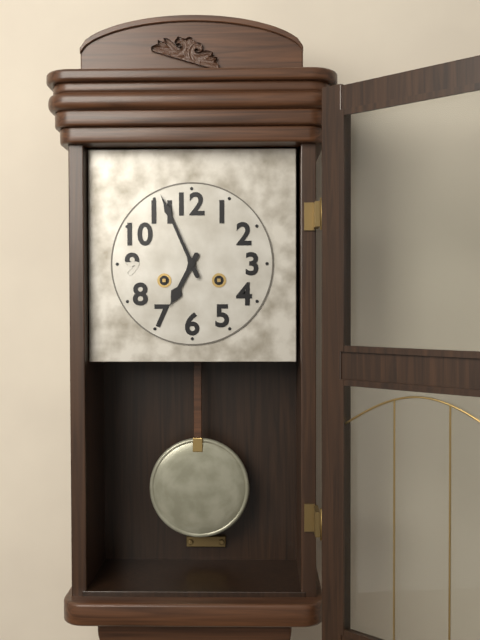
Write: 6:56
